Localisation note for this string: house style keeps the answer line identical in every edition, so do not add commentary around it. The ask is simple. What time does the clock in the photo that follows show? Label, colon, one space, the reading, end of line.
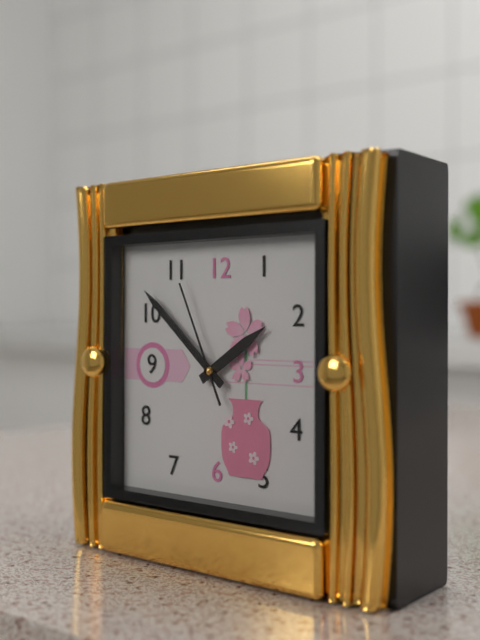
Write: 1:52:56
